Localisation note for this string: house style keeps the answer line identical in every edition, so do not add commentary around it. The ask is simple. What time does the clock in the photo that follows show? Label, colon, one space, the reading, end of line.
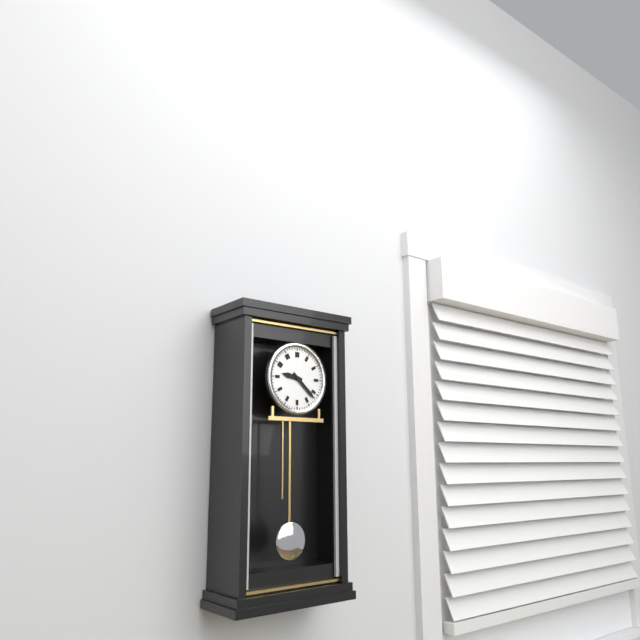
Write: 9:22
